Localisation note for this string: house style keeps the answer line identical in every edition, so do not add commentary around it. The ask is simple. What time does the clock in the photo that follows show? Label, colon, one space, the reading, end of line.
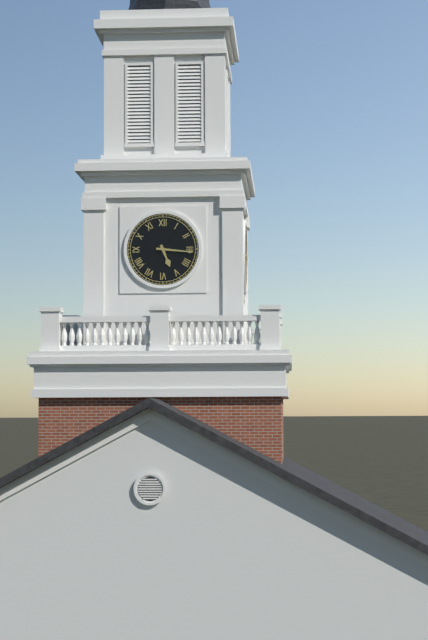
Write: 5:16
